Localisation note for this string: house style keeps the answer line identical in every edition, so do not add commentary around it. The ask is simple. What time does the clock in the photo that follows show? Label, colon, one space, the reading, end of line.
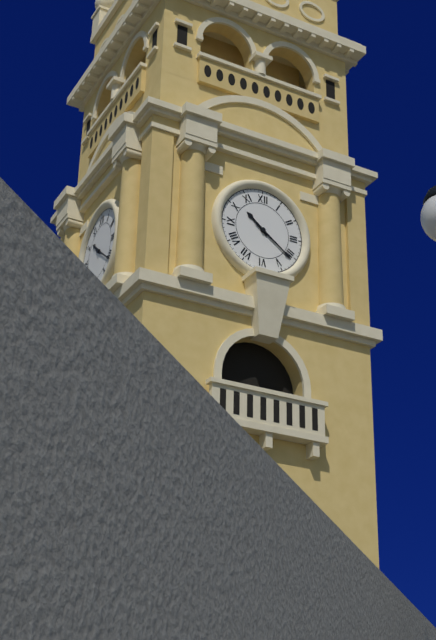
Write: 10:21
